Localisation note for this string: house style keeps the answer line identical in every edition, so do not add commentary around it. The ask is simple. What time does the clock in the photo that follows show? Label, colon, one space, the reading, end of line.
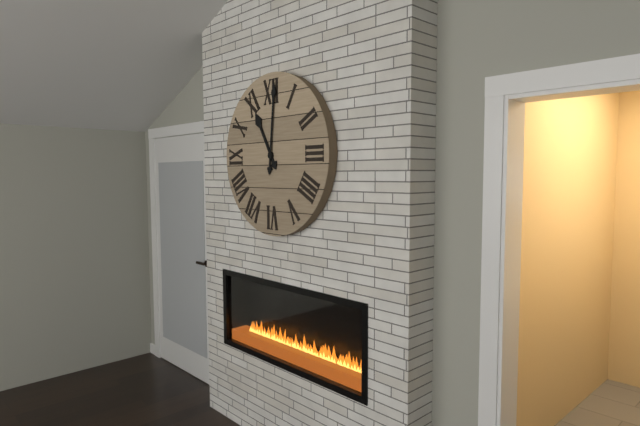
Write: 11:01
